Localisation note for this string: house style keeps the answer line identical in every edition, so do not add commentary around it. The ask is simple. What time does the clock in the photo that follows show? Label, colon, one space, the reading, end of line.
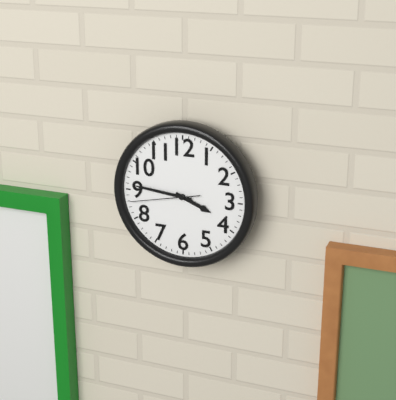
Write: 3:46:43
